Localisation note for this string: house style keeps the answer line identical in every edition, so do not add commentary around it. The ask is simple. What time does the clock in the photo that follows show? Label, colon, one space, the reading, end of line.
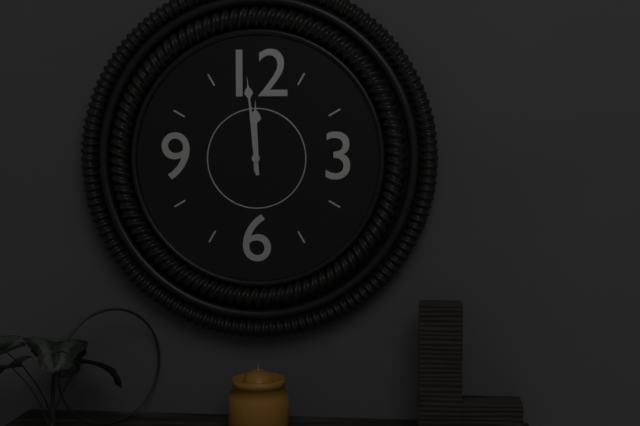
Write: 11:59
